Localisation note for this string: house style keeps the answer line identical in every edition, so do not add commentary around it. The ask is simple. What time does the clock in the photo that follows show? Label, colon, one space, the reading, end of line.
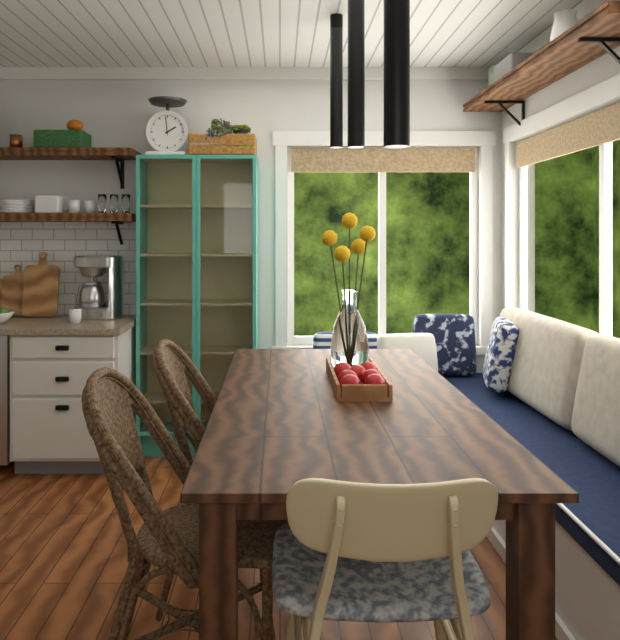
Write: 1:59
